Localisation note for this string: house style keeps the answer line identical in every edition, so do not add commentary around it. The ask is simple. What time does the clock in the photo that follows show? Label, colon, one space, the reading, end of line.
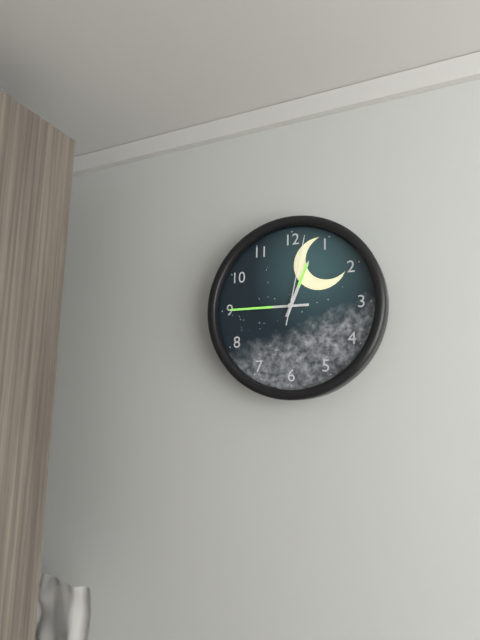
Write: 12:45:02
